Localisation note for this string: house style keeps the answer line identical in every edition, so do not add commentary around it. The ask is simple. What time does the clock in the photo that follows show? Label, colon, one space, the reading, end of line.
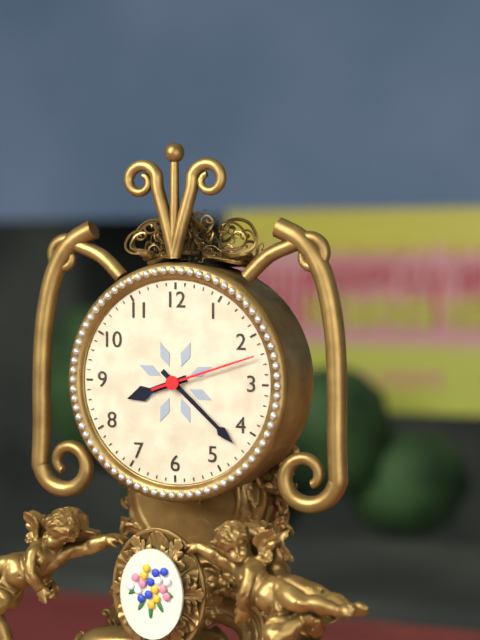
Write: 8:22:12
